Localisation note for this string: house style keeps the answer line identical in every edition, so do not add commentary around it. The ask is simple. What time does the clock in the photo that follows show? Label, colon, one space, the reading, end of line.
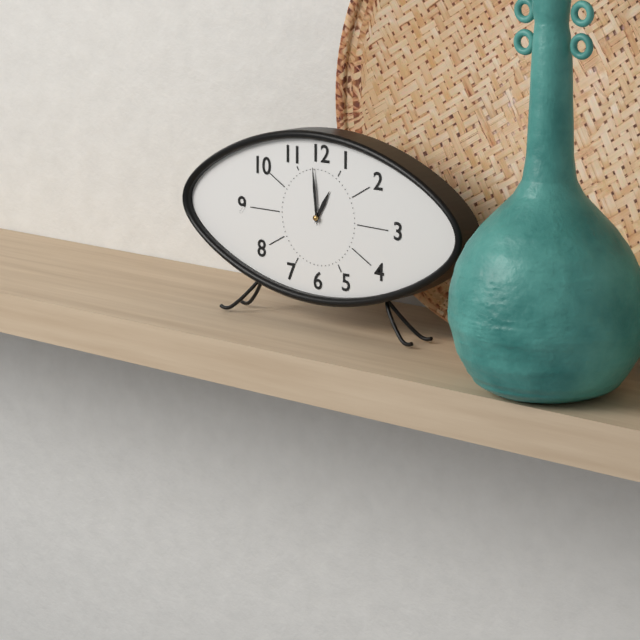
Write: 12:59
